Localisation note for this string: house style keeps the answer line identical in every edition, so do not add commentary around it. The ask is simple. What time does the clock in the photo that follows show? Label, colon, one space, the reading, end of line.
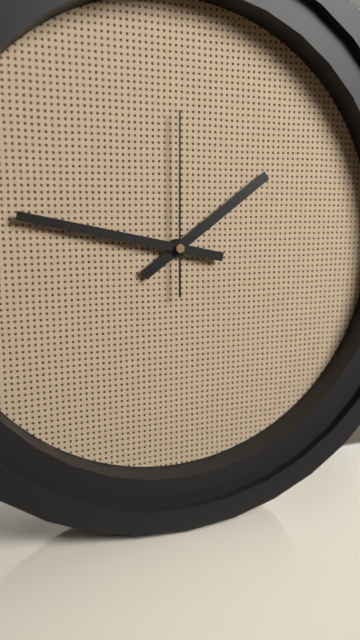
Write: 1:47:00
